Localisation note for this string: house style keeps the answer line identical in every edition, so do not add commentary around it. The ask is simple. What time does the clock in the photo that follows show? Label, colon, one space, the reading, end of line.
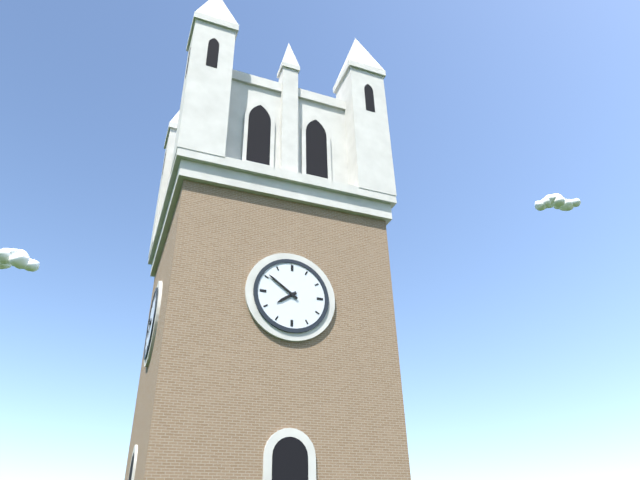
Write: 7:51
